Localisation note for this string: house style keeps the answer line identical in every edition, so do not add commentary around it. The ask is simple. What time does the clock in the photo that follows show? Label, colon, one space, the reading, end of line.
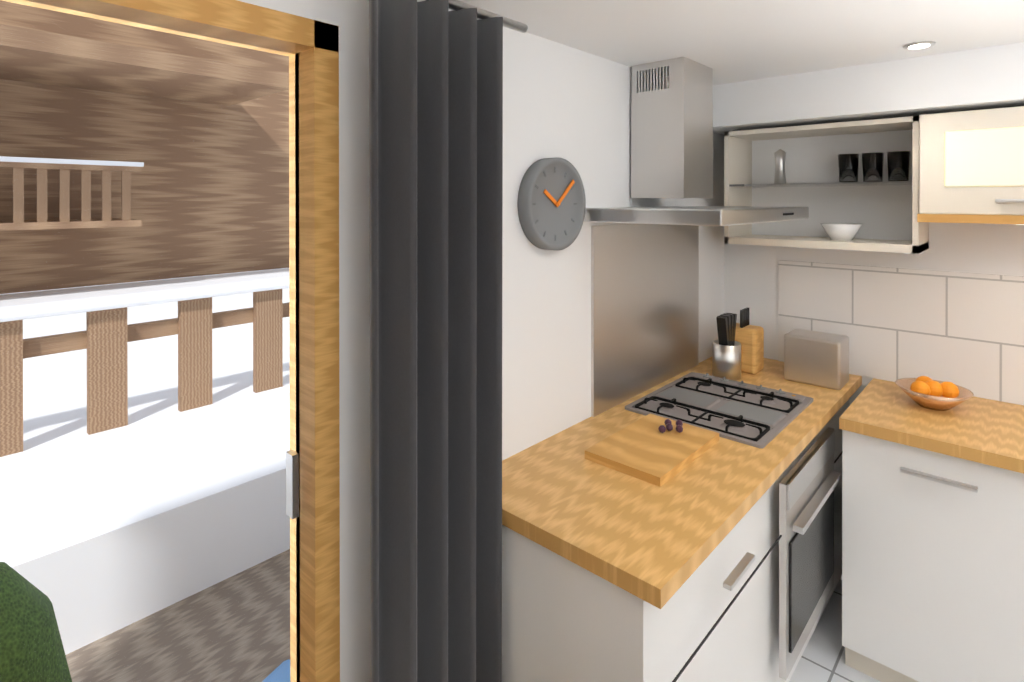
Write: 10:08
